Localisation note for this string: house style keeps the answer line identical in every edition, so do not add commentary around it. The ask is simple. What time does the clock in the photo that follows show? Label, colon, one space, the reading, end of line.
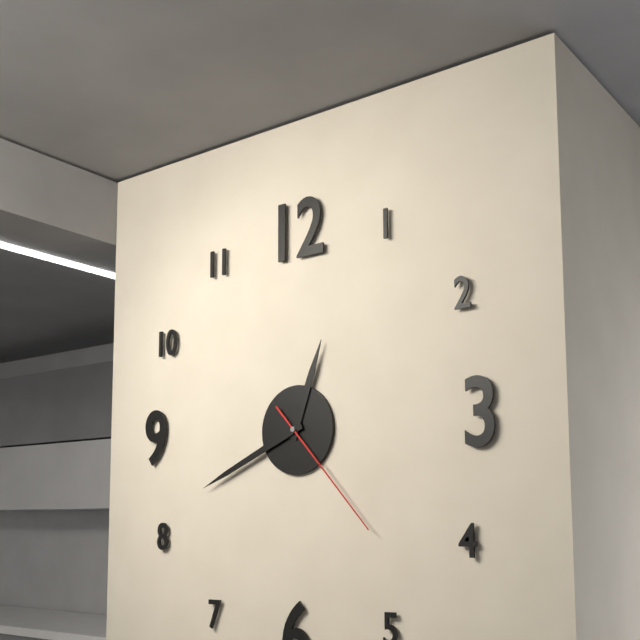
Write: 12:41:23
